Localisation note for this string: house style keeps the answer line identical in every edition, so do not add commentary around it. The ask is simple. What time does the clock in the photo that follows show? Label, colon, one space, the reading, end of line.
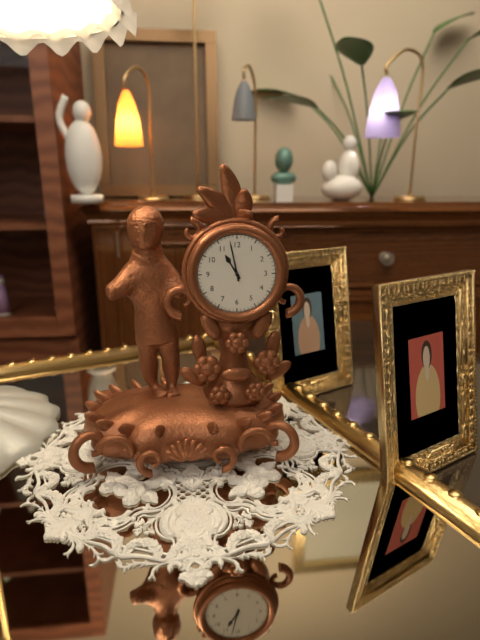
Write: 10:58
